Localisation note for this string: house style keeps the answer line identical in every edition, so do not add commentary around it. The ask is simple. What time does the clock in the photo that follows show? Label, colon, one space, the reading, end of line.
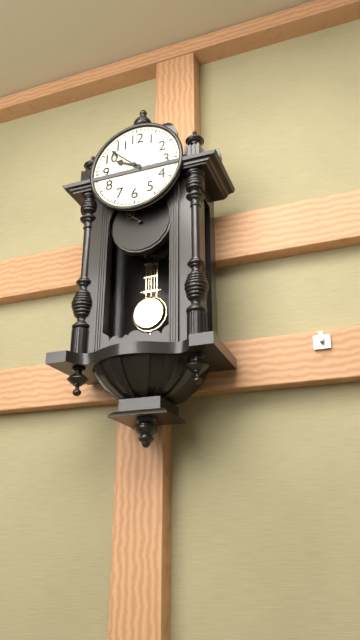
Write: 9:52
